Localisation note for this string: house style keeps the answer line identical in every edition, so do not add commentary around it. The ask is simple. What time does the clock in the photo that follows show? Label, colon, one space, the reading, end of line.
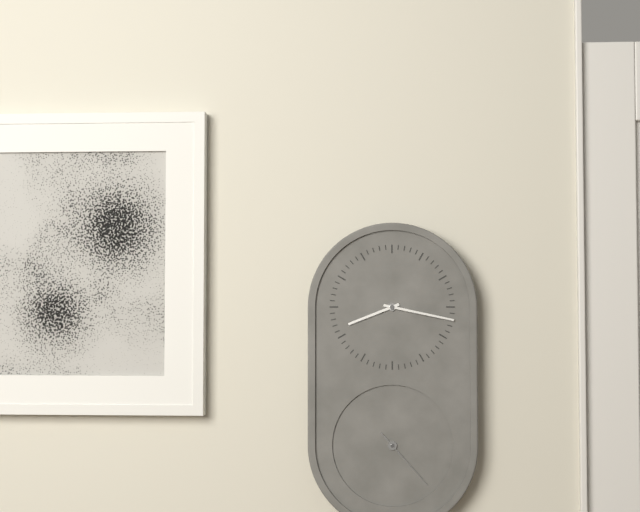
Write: 8:17:23
